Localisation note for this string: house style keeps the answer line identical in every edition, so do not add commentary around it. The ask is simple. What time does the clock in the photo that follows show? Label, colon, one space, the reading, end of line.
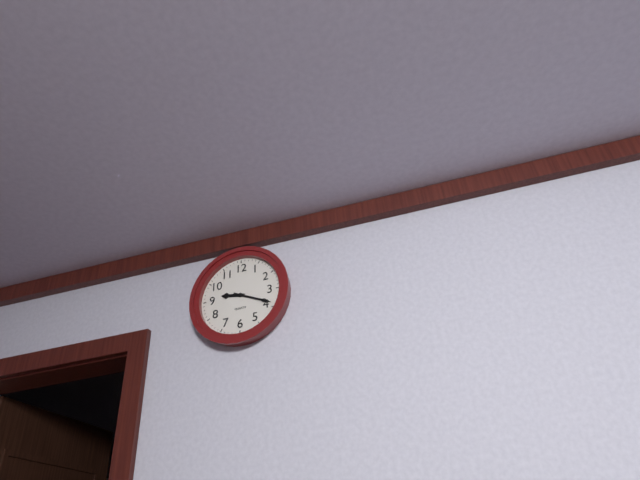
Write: 9:19
